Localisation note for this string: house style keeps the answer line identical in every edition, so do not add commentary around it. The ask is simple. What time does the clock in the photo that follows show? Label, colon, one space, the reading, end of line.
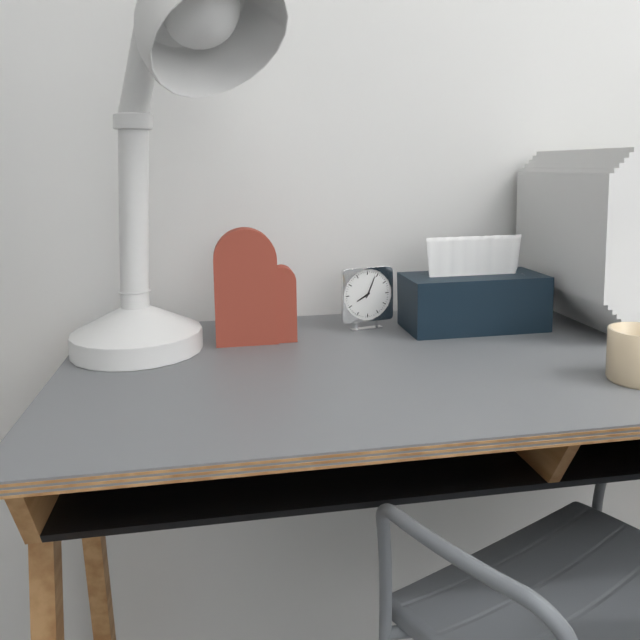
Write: 8:04
